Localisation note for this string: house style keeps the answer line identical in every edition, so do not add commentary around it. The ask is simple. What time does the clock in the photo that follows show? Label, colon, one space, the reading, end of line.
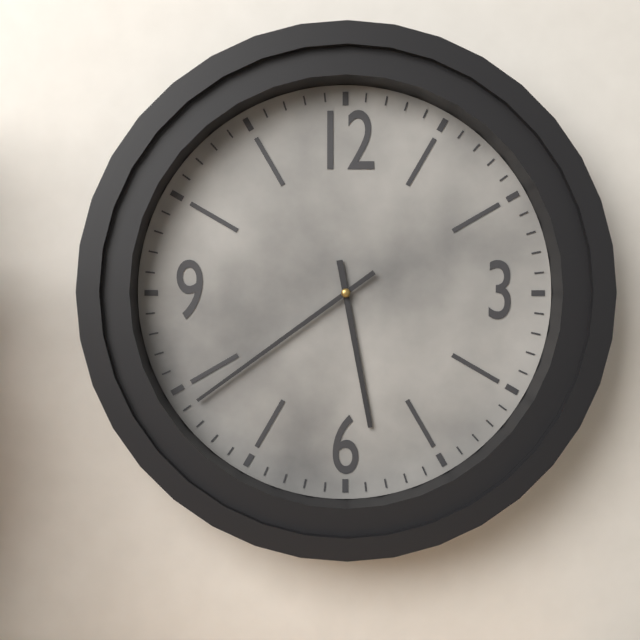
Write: 5:39
